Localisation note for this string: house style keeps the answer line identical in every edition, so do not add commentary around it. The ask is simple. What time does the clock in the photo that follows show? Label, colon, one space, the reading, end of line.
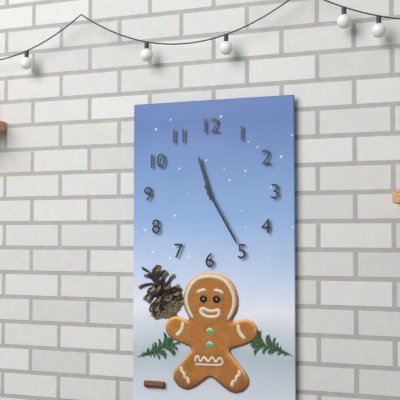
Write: 11:25
